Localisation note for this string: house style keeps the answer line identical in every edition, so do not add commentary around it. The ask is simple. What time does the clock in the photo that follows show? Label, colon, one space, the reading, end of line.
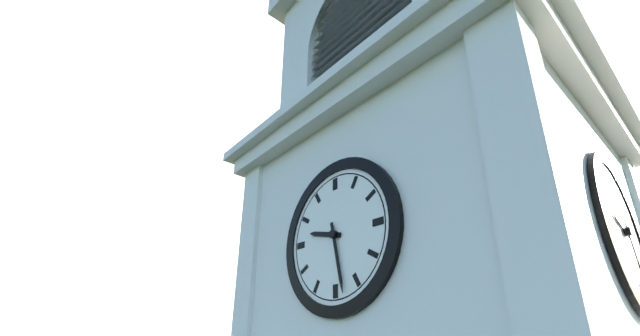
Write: 9:28
